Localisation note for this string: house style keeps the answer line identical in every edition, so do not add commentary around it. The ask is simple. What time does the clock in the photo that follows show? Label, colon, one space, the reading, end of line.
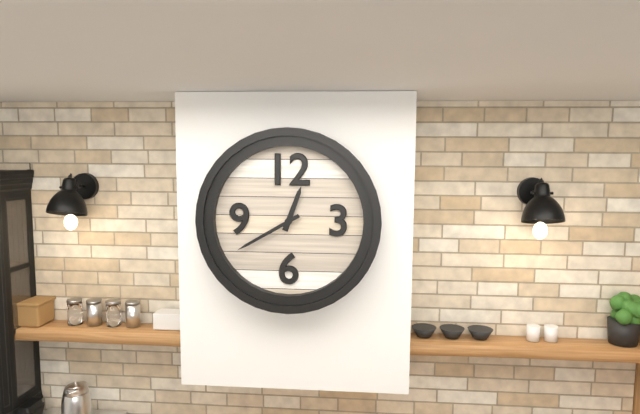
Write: 12:40
